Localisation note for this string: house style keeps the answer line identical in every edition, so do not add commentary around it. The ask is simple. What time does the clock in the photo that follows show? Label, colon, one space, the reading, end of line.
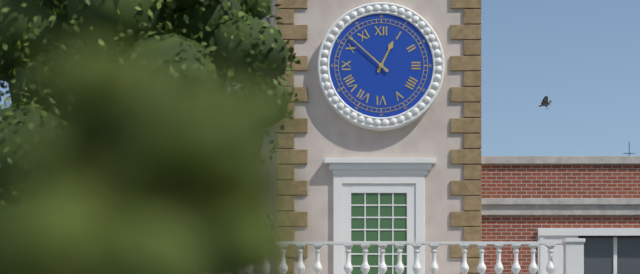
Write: 12:52
